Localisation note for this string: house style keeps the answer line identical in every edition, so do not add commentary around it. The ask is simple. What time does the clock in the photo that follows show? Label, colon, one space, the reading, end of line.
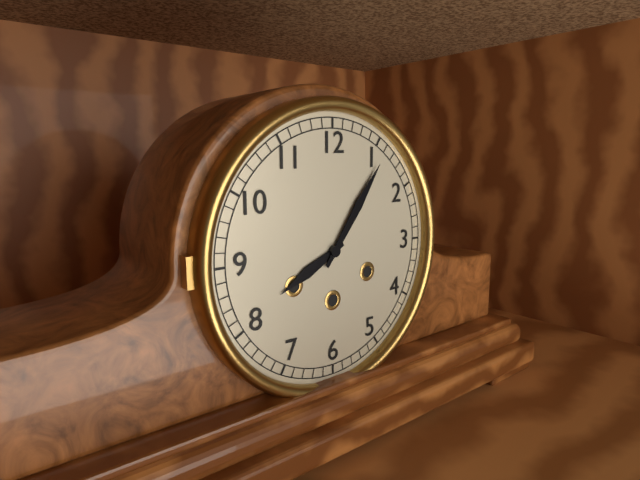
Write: 8:06
